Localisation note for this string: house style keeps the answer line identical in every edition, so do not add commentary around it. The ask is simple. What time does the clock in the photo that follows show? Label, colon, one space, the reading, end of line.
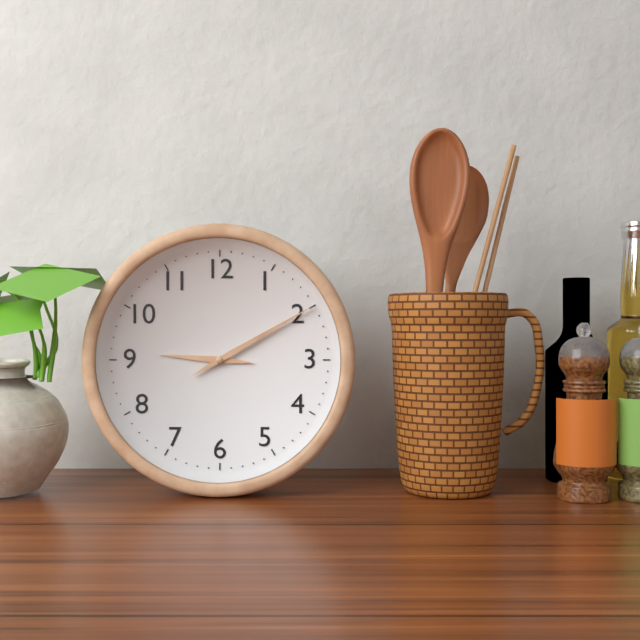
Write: 9:10
